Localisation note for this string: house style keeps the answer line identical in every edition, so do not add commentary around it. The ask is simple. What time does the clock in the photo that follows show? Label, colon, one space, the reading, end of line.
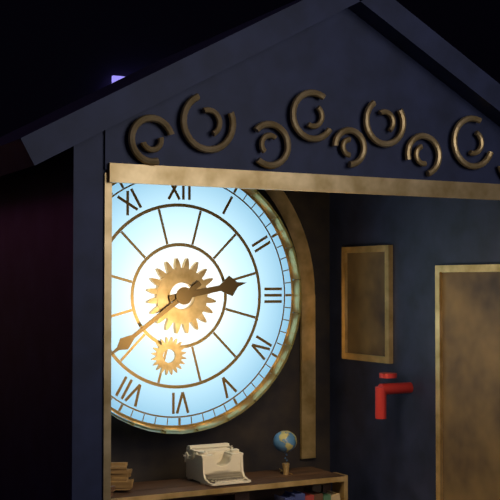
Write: 2:39
